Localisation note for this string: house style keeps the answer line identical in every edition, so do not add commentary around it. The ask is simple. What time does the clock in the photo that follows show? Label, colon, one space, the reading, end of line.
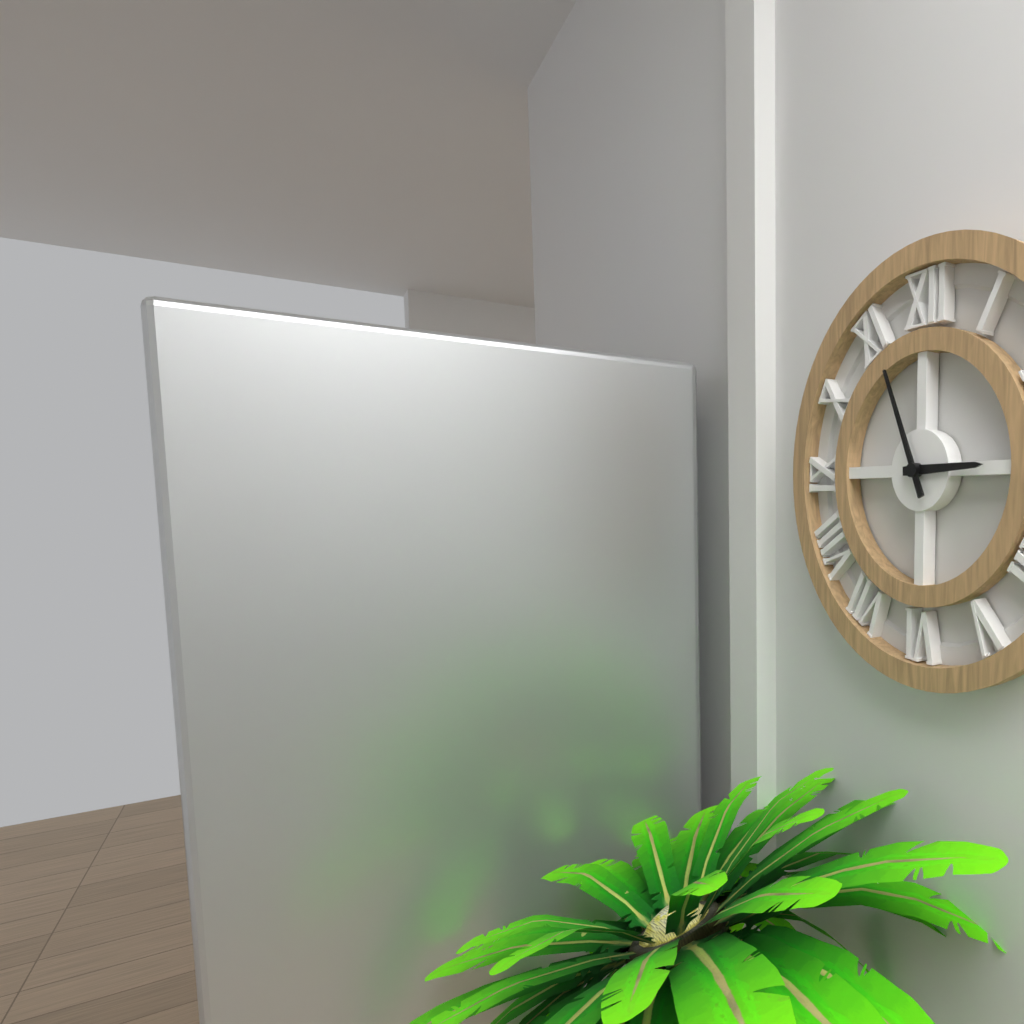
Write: 2:56
